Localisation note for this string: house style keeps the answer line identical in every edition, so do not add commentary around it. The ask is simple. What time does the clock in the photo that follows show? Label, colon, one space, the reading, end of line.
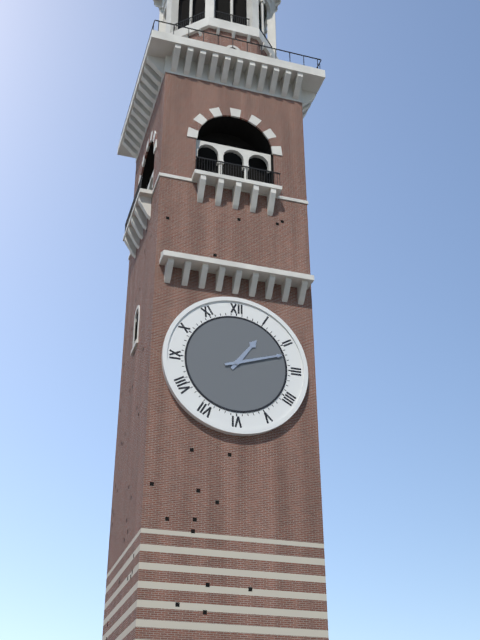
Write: 1:12
